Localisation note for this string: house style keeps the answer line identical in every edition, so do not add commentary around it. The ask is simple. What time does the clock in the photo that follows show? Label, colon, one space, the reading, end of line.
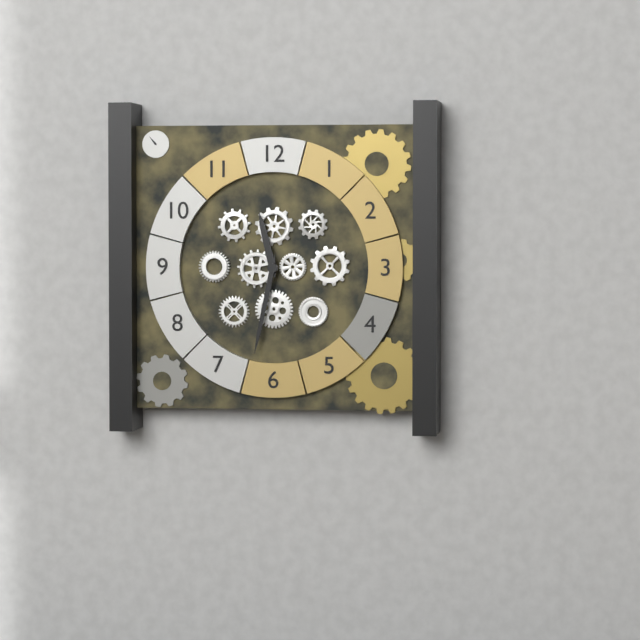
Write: 11:32
